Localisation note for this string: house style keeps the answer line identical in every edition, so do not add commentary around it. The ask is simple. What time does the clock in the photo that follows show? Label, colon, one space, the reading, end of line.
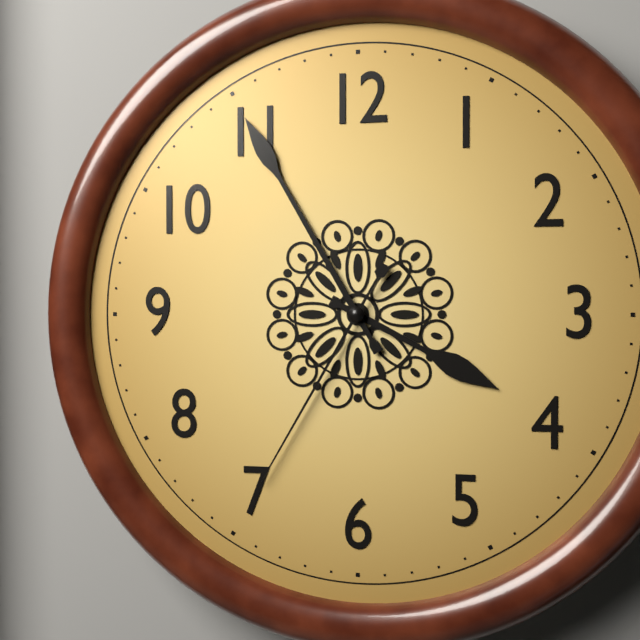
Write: 3:55:35
